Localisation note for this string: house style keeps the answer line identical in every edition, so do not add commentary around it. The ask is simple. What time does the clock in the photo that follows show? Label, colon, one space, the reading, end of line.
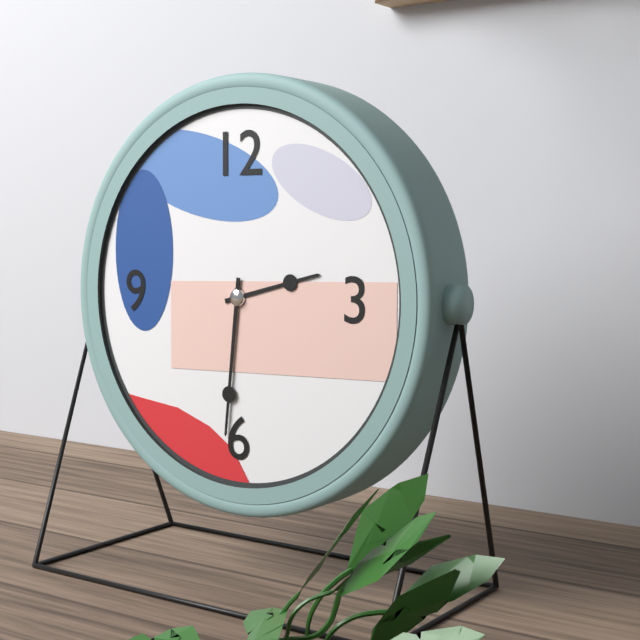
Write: 2:31
